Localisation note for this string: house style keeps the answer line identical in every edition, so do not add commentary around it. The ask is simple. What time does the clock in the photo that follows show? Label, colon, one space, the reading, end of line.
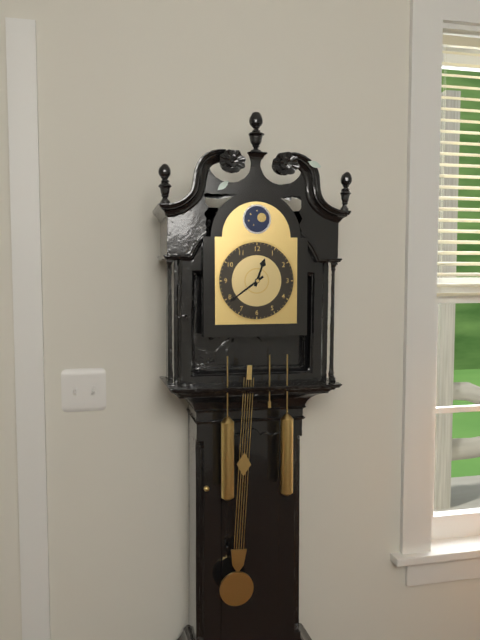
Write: 12:39
